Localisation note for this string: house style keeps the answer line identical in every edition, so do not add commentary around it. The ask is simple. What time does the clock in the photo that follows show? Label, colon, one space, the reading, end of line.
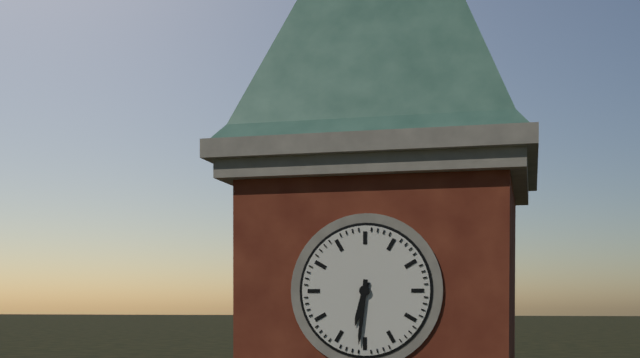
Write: 6:31
